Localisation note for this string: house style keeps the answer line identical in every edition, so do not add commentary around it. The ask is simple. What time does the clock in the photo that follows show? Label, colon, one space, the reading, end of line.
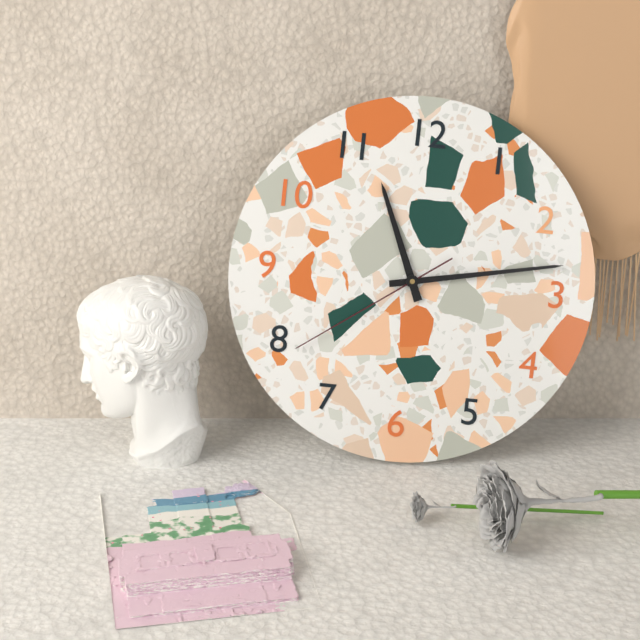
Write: 11:13:39
